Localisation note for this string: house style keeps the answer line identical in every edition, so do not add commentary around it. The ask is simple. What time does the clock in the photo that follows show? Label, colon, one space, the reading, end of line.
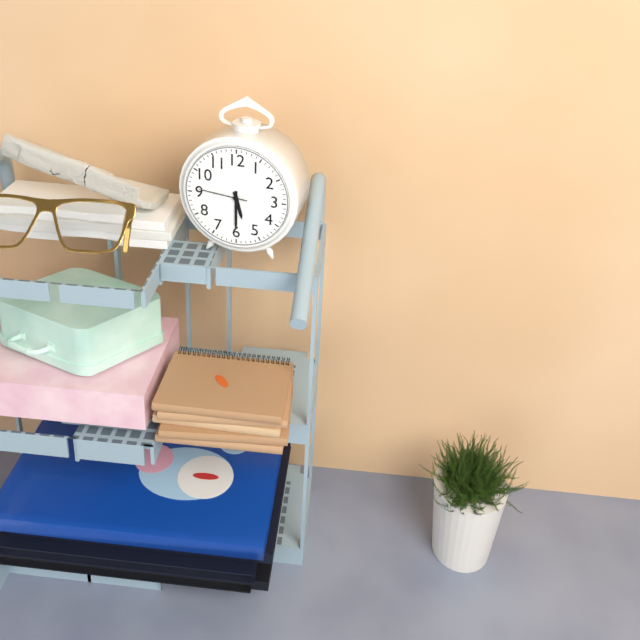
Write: 5:30:46
